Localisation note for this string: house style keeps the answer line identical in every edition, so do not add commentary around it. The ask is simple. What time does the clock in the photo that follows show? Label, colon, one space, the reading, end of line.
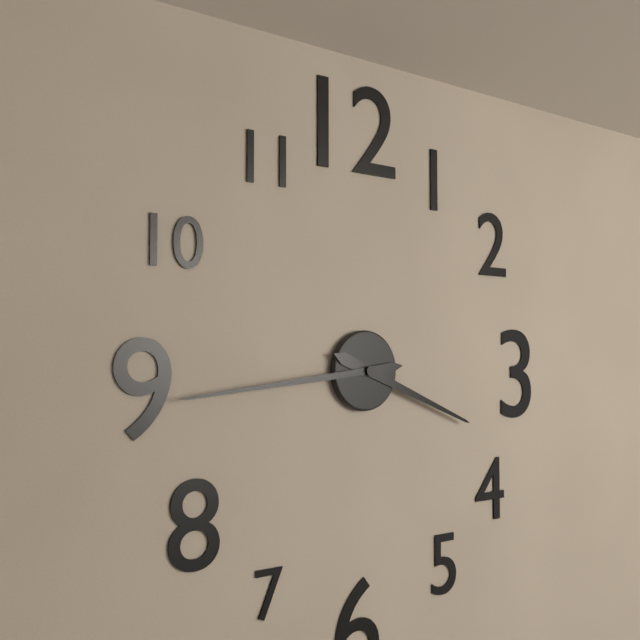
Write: 3:44
